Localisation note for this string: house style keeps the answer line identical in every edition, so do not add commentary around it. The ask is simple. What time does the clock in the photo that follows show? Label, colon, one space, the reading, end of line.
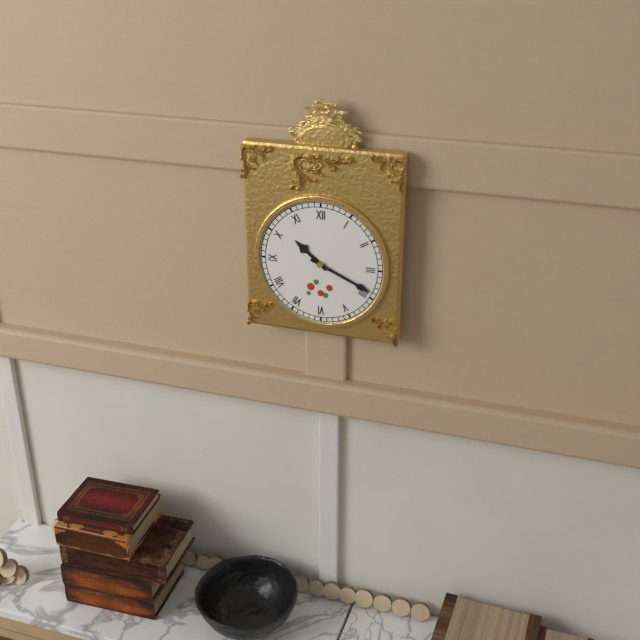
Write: 10:19
